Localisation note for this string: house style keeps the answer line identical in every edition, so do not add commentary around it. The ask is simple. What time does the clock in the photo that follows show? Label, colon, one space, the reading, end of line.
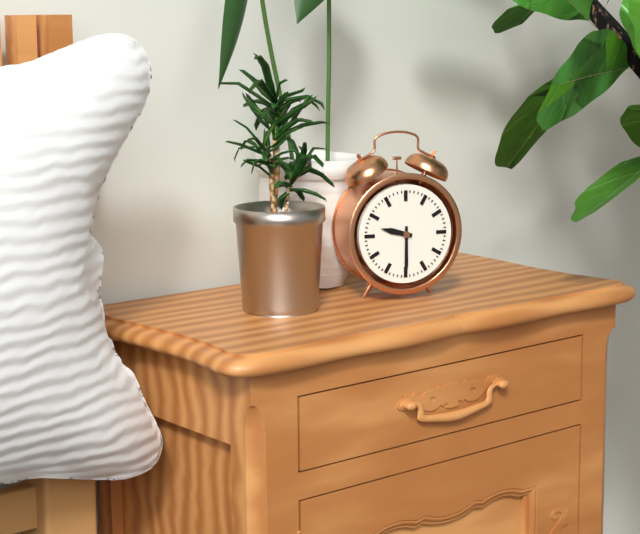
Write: 9:30
